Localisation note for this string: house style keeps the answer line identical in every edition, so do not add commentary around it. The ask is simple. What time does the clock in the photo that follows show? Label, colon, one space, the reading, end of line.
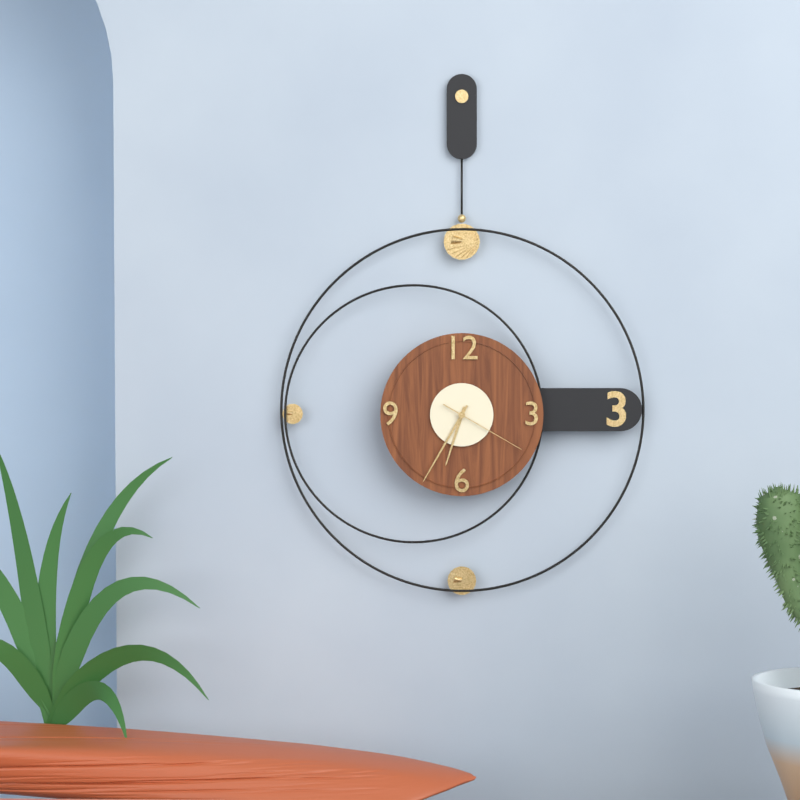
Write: 6:35:20
